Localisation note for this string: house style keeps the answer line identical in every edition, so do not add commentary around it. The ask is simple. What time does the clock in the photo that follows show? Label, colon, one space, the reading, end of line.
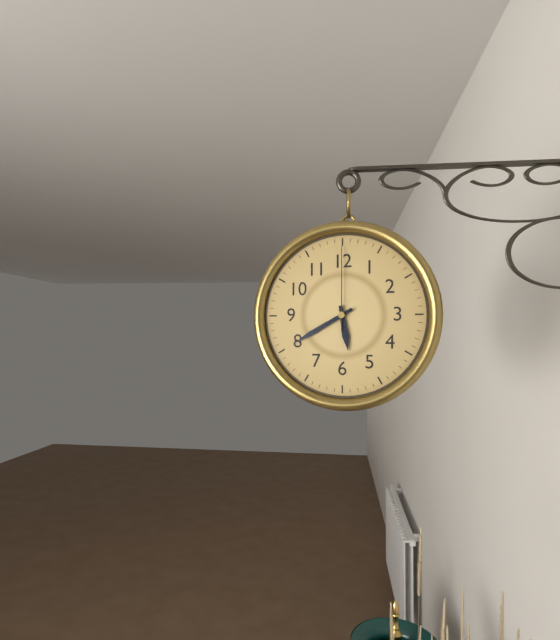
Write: 5:40:00
